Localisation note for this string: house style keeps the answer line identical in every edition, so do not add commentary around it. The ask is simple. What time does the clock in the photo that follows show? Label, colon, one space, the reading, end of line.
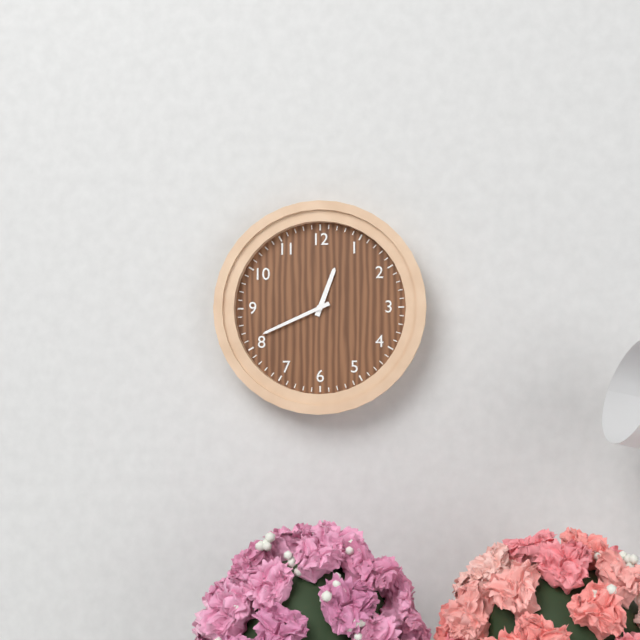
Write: 12:41
